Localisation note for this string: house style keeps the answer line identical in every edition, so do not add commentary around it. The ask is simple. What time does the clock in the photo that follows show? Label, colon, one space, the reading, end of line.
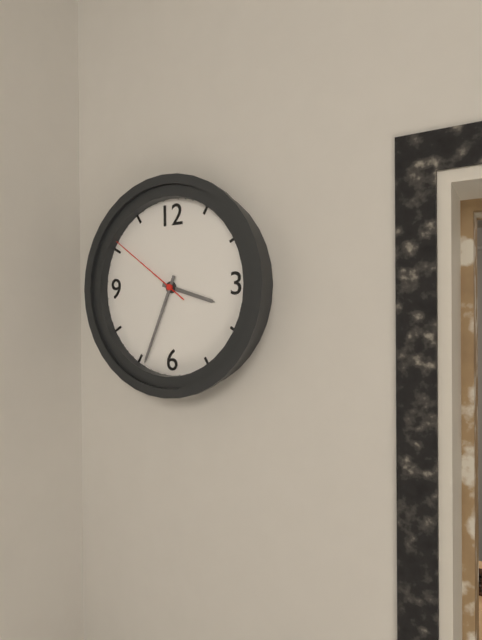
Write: 3:34:51
